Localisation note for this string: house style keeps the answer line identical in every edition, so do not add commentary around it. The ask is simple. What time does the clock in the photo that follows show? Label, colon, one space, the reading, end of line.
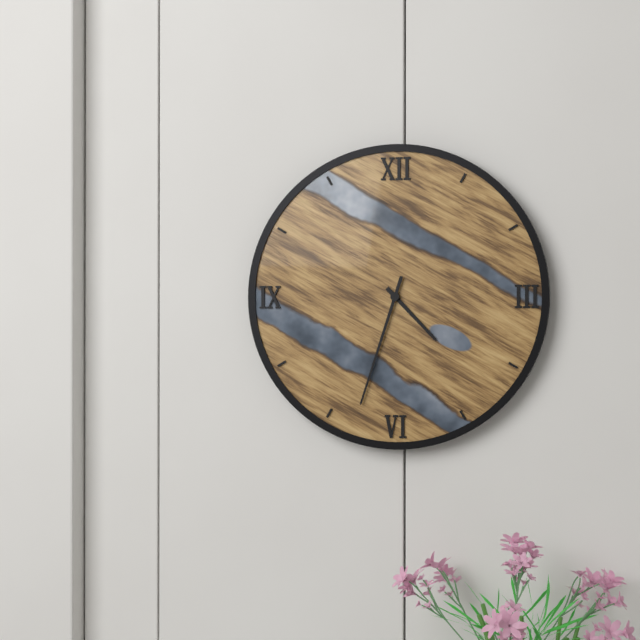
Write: 4:33
